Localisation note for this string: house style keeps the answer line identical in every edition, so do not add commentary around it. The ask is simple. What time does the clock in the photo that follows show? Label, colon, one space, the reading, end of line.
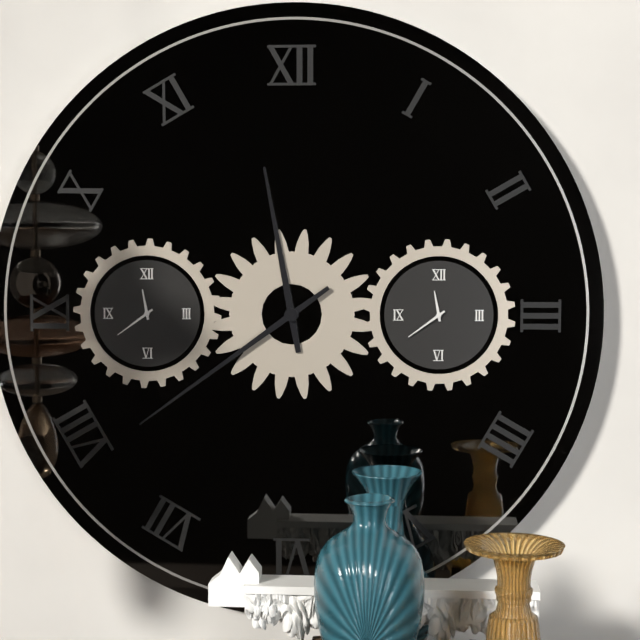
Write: 11:39
